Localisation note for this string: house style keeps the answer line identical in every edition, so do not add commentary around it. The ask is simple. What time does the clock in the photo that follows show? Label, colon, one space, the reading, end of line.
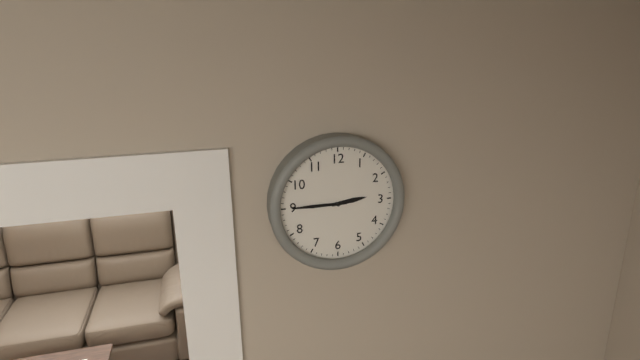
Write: 2:45
